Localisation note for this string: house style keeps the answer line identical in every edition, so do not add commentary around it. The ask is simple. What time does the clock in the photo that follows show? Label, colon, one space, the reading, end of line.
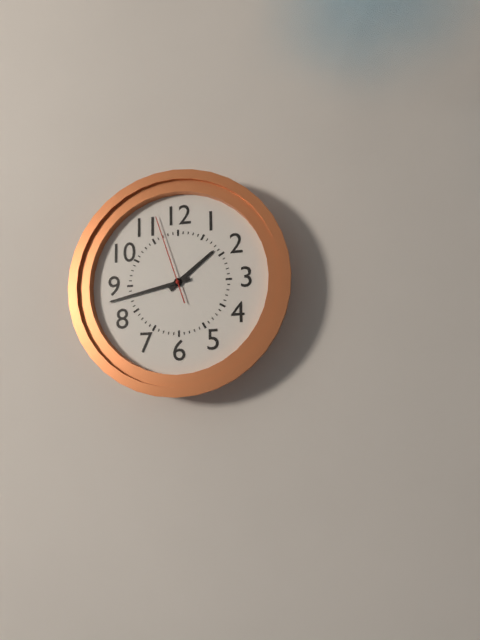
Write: 1:43:57
